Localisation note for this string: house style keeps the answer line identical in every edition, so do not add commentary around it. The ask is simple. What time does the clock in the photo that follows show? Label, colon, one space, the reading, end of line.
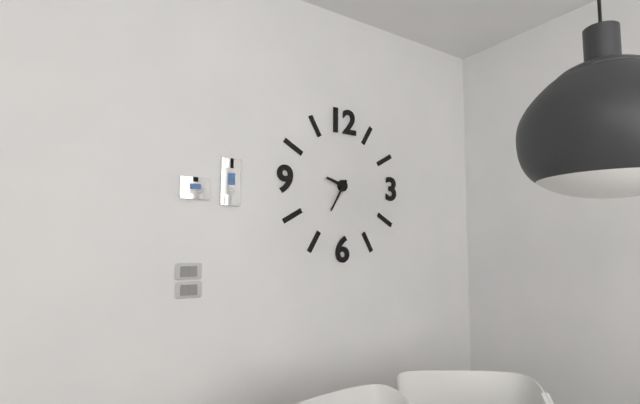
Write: 9:35
